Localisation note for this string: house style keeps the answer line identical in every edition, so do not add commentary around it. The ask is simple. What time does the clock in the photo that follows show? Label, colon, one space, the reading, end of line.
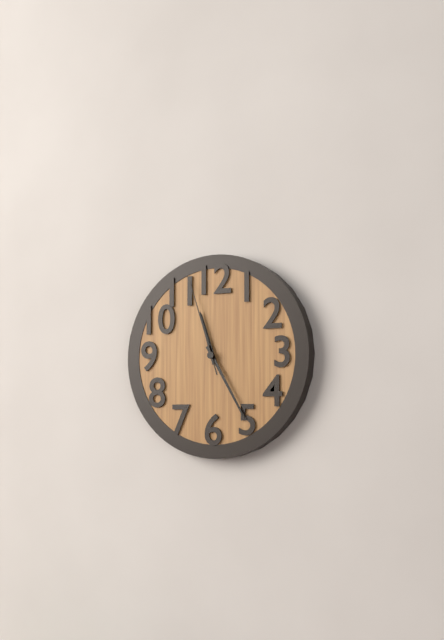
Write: 11:25:57
